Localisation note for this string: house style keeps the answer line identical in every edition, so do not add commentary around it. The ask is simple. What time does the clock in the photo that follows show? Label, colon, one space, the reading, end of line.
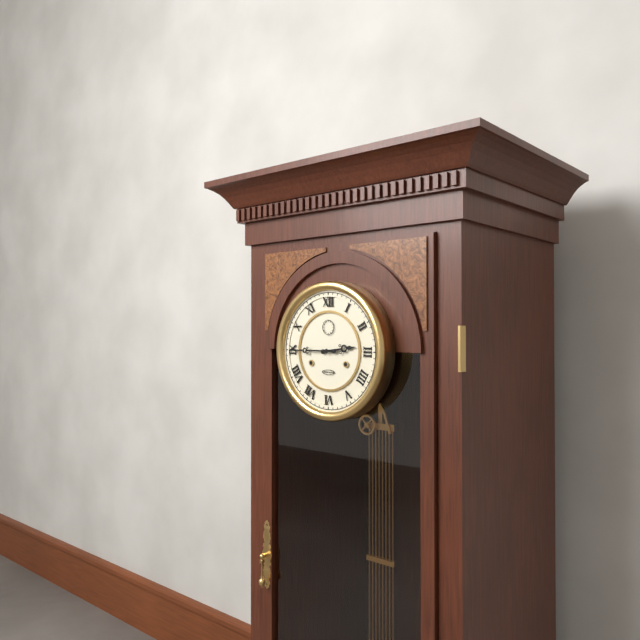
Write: 2:45
